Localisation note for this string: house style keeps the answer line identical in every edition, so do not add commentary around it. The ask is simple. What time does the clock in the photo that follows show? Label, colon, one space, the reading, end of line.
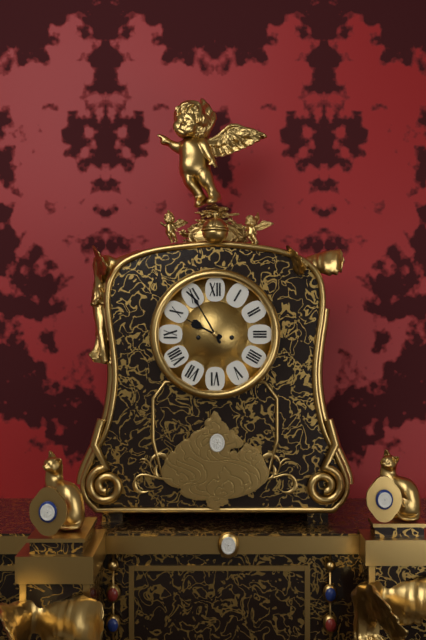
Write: 9:55
